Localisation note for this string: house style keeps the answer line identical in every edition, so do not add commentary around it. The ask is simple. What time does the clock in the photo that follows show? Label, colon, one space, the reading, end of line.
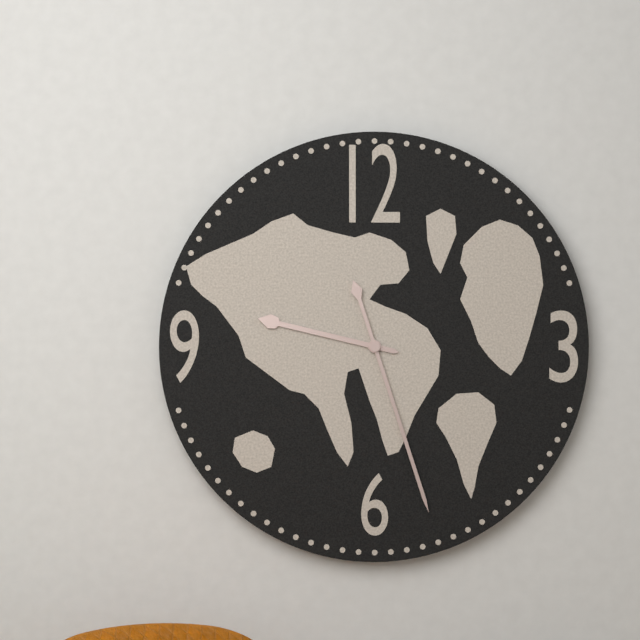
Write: 9:27
